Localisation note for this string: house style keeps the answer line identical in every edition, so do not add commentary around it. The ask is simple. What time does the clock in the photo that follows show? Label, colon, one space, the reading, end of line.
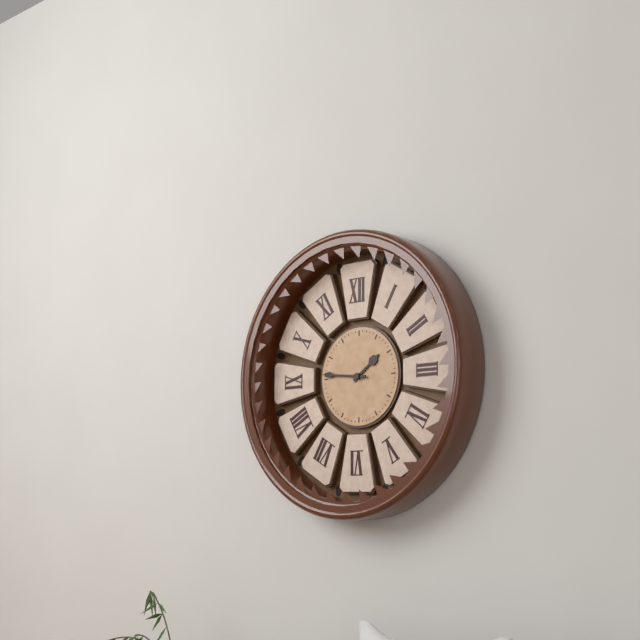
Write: 1:46
